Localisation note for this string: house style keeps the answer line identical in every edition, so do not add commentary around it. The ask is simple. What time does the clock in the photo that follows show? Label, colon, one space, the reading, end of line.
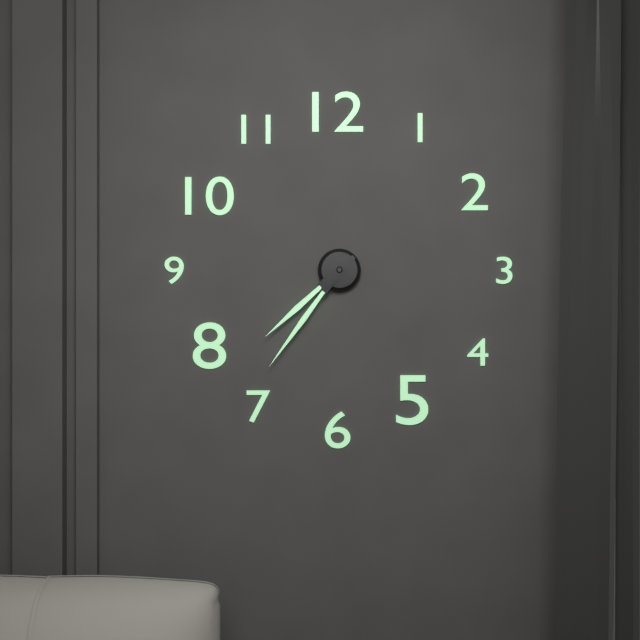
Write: 7:36
